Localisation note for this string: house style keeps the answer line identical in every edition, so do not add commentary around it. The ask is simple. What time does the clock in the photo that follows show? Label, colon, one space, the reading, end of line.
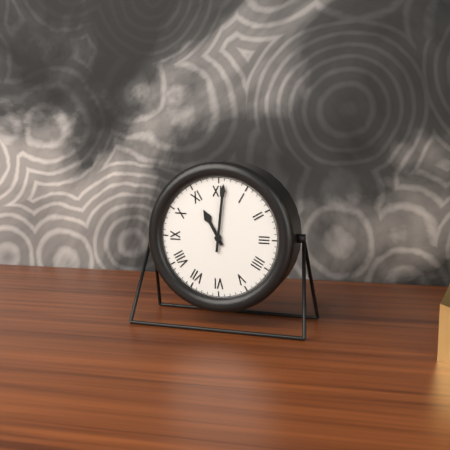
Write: 11:01
